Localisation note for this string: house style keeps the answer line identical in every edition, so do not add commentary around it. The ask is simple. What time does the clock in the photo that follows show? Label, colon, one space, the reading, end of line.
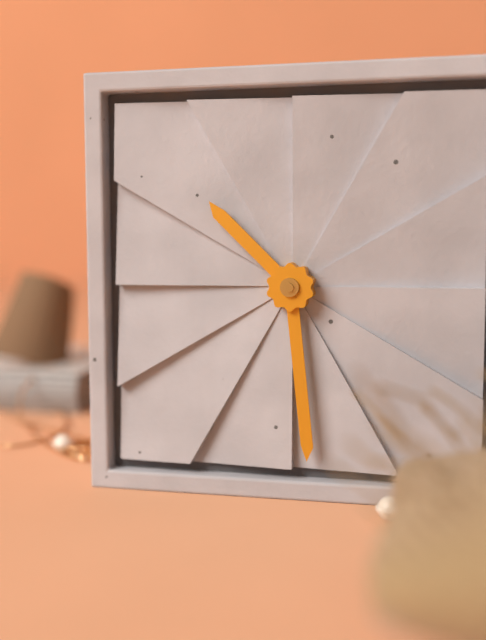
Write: 10:29
